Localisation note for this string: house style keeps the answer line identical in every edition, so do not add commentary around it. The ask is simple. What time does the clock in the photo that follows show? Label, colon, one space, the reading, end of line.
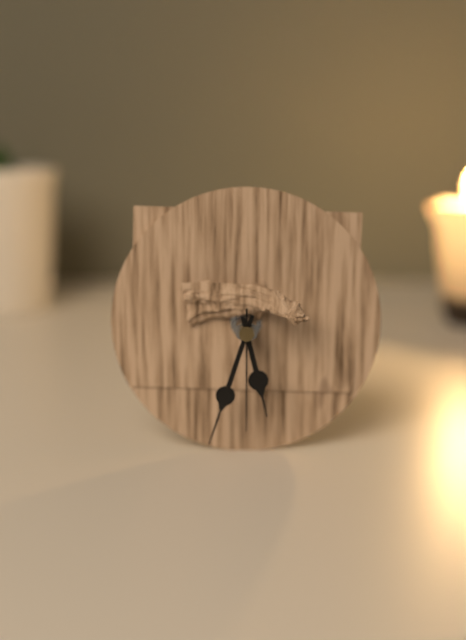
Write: 5:33:30
